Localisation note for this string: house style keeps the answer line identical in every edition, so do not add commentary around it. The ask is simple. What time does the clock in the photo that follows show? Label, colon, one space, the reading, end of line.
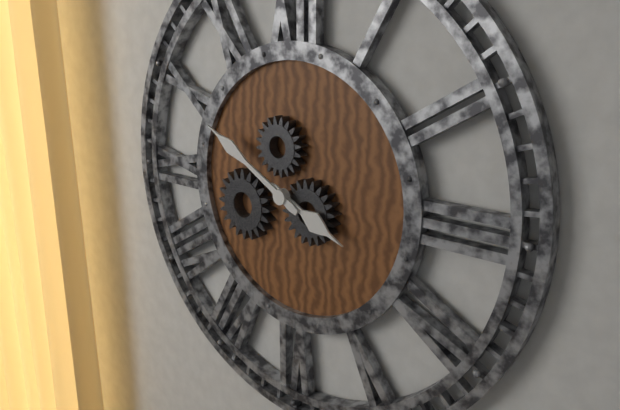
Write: 3:50
